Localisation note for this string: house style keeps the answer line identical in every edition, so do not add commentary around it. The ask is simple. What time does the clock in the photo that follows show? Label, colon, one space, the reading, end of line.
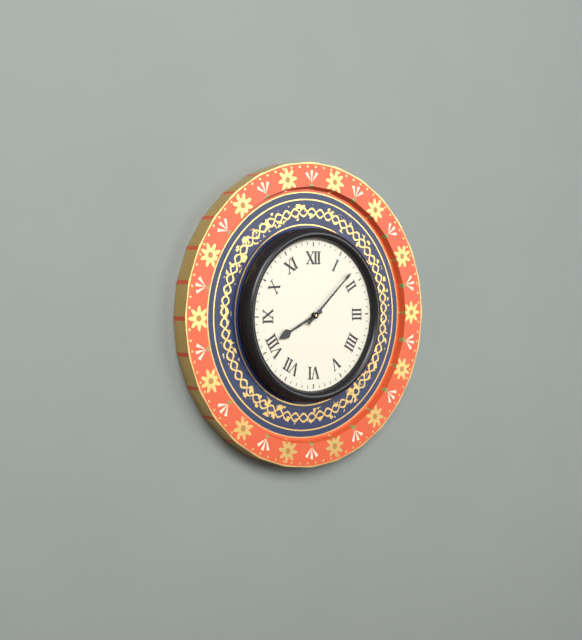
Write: 8:08
